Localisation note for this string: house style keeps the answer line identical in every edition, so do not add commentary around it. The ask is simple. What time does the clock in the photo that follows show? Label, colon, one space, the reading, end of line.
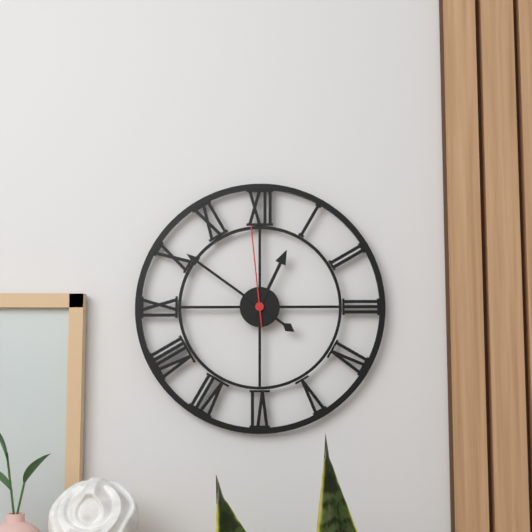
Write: 12:51:59
